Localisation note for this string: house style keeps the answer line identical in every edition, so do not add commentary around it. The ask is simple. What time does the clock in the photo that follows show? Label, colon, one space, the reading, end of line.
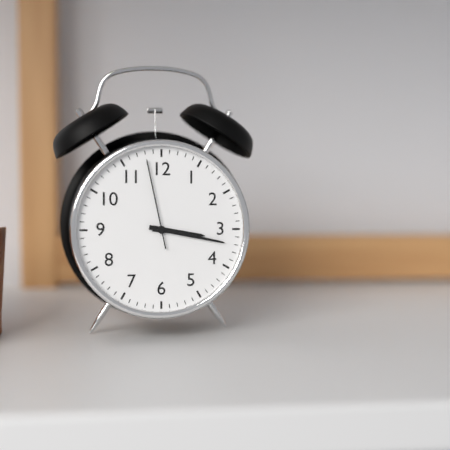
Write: 3:17:58
